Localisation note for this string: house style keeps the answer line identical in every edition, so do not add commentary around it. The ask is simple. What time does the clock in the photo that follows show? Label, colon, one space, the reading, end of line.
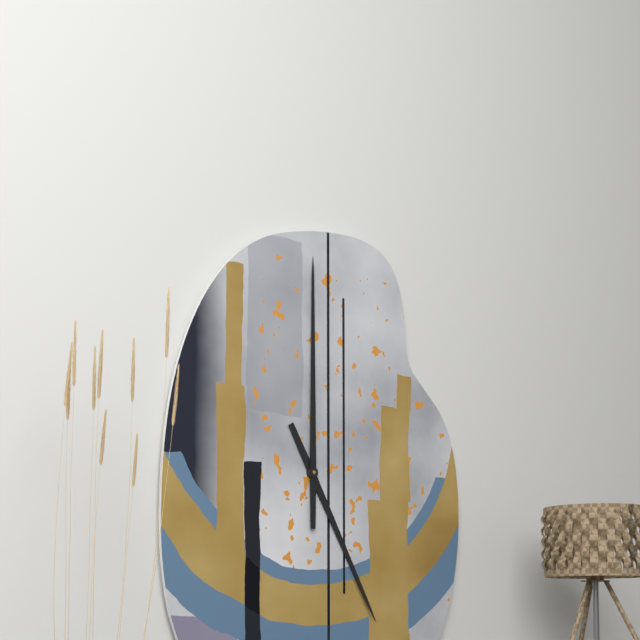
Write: 5:00
